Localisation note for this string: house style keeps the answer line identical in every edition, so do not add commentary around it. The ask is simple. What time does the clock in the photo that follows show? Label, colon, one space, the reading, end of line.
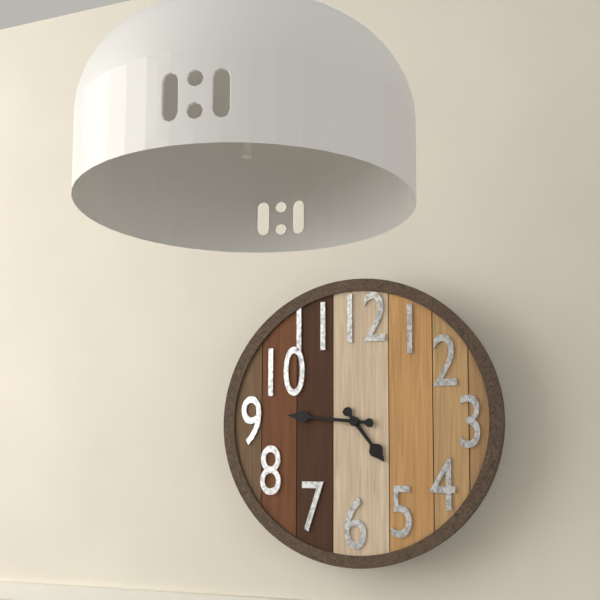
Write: 4:46
